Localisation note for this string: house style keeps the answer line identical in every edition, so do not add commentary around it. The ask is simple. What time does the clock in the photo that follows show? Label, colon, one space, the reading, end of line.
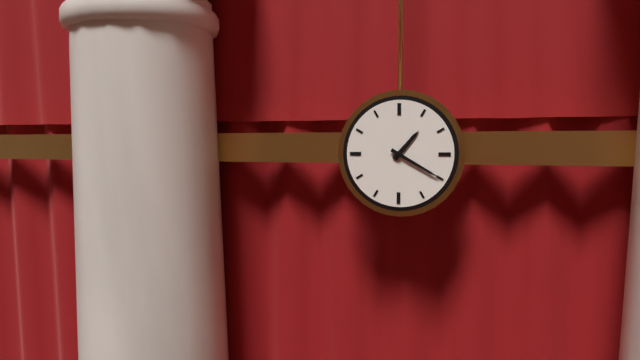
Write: 1:20
